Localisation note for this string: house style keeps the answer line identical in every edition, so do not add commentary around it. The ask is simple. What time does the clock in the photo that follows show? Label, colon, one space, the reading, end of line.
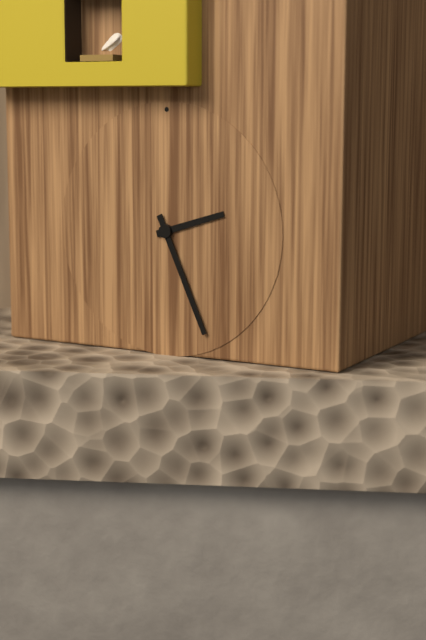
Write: 2:26
